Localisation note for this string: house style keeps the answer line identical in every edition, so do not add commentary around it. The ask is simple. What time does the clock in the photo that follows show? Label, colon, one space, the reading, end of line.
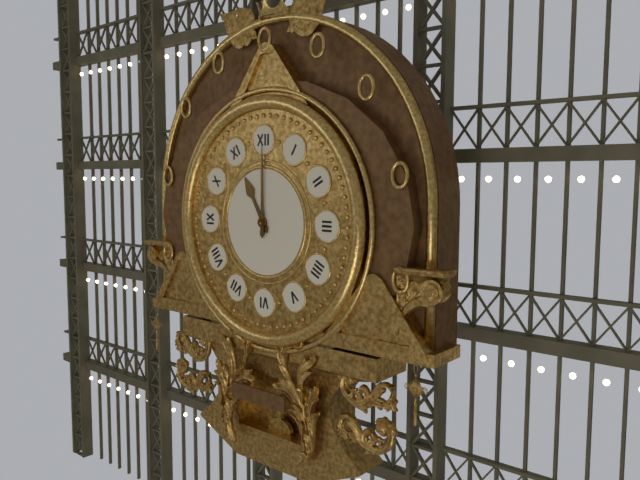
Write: 11:00
